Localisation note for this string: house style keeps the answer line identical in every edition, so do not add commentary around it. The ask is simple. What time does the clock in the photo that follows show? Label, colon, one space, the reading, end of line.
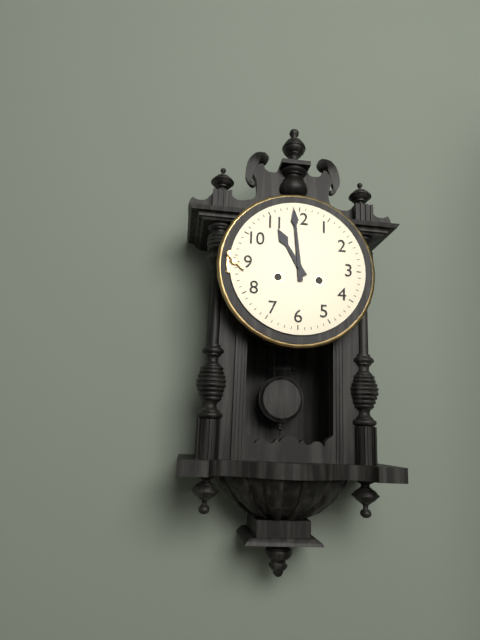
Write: 10:59
